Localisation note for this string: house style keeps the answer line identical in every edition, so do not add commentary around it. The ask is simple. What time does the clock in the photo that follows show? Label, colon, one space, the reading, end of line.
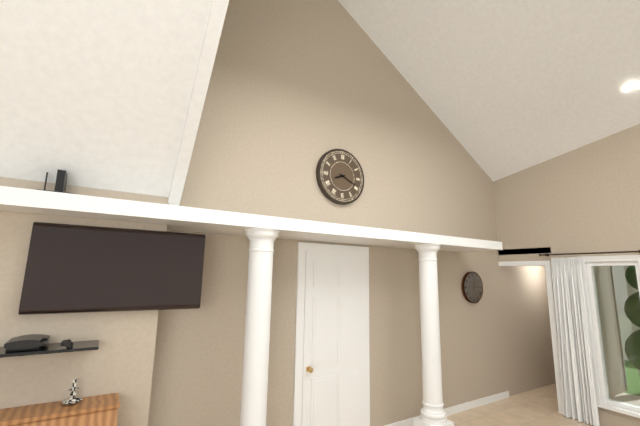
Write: 8:19
